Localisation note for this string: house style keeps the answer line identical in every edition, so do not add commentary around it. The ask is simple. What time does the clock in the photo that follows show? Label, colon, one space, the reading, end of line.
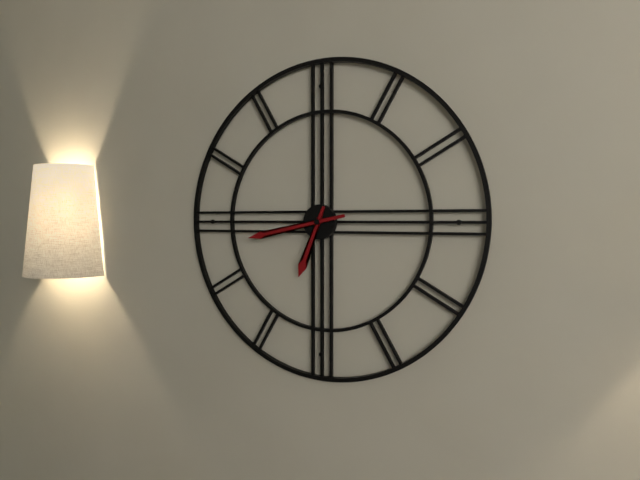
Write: 6:43
